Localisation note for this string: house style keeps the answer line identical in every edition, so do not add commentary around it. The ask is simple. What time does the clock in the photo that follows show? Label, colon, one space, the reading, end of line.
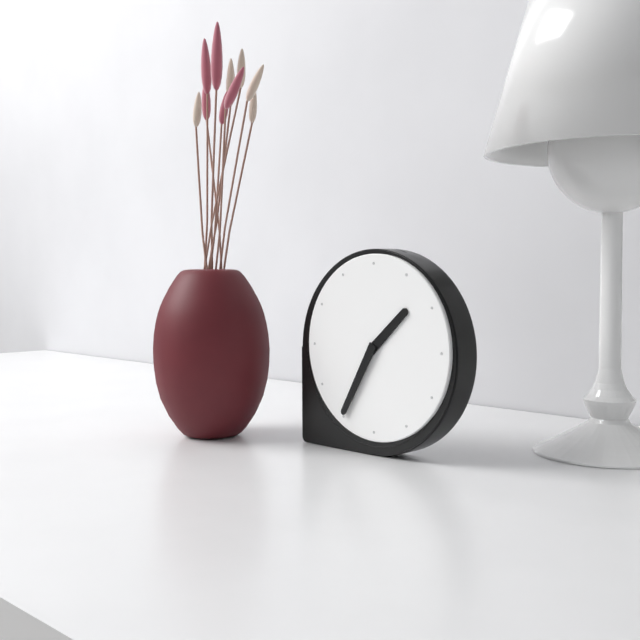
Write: 1:35
